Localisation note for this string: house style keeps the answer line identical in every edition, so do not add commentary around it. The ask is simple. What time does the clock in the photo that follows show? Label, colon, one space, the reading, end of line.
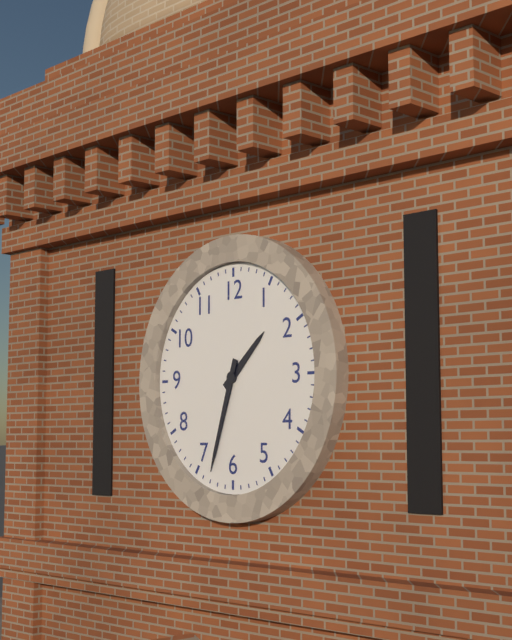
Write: 1:33
